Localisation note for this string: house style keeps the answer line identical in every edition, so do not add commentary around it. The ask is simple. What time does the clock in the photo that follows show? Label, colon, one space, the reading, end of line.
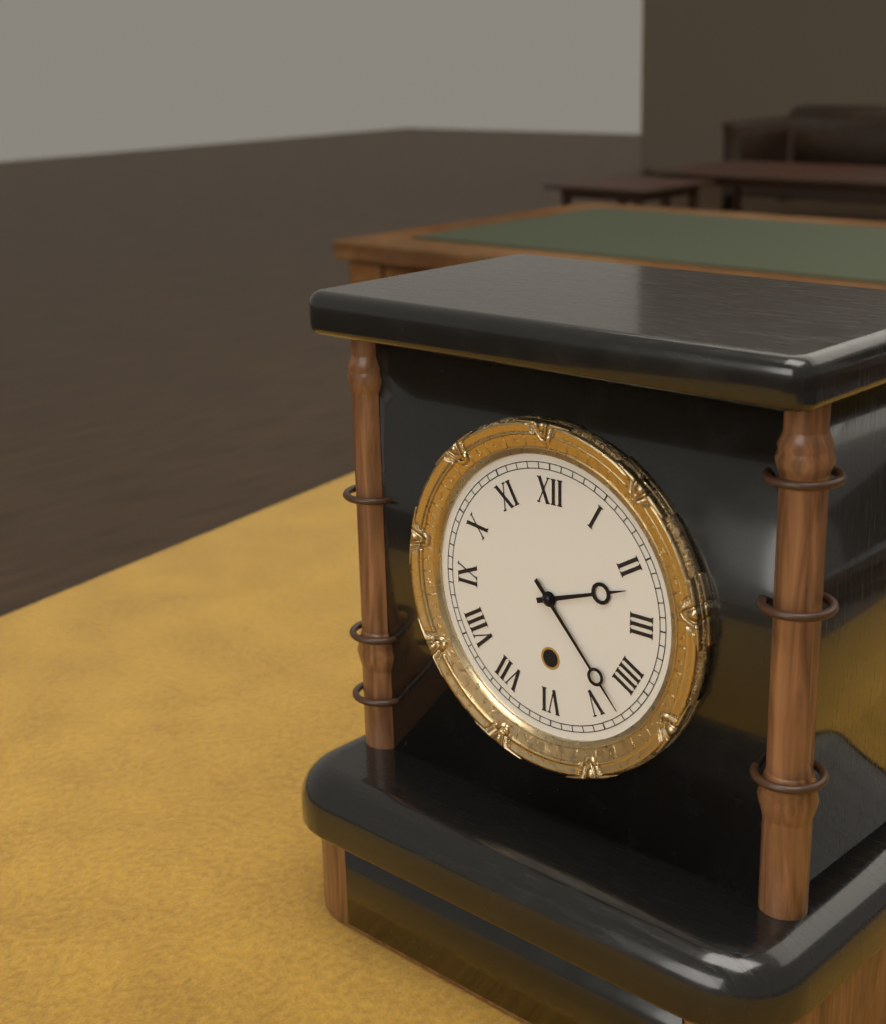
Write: 2:23
